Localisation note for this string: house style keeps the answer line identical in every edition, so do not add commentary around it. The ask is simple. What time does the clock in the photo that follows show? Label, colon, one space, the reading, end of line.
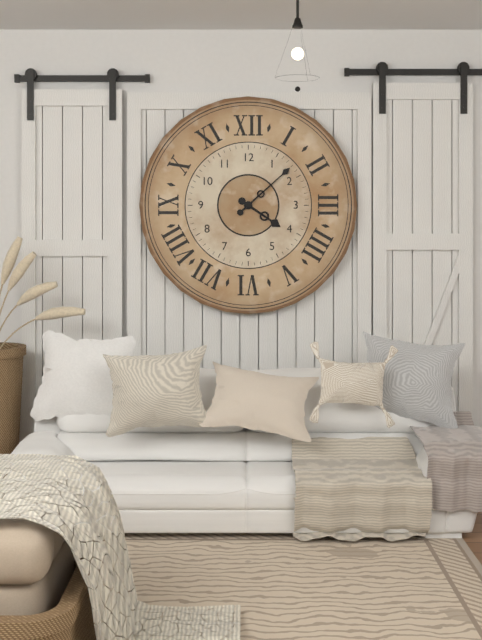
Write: 4:08
